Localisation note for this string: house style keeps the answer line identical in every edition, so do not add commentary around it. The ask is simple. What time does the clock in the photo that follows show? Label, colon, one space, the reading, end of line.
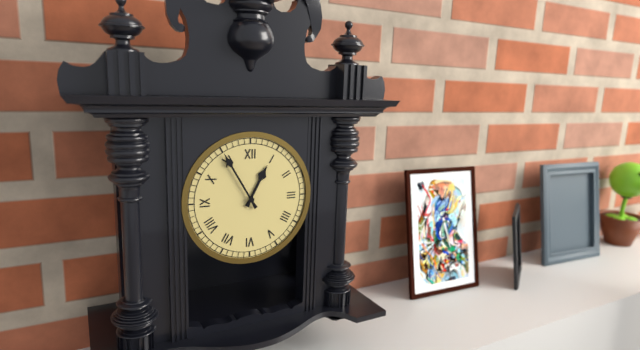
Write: 12:55
